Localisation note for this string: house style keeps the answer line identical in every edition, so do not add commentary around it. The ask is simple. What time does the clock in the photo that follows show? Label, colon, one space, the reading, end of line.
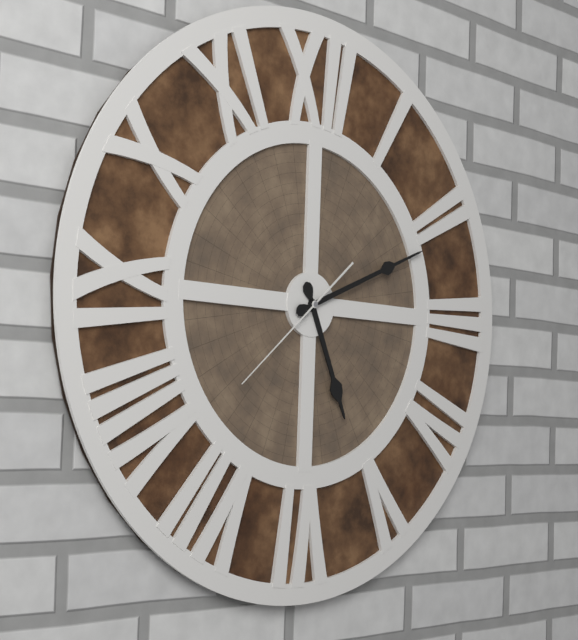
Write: 5:11:38
